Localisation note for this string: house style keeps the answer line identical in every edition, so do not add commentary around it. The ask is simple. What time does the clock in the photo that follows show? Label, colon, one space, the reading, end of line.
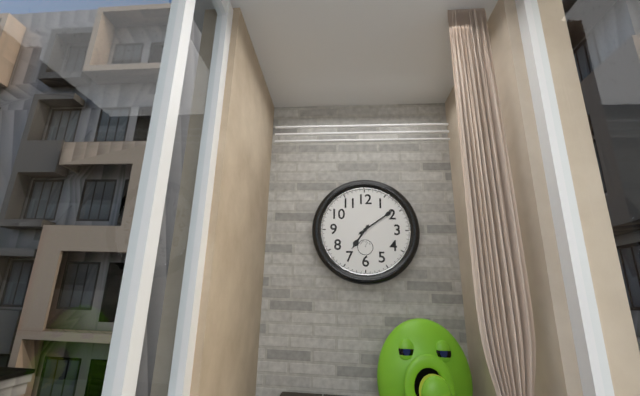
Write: 7:09
